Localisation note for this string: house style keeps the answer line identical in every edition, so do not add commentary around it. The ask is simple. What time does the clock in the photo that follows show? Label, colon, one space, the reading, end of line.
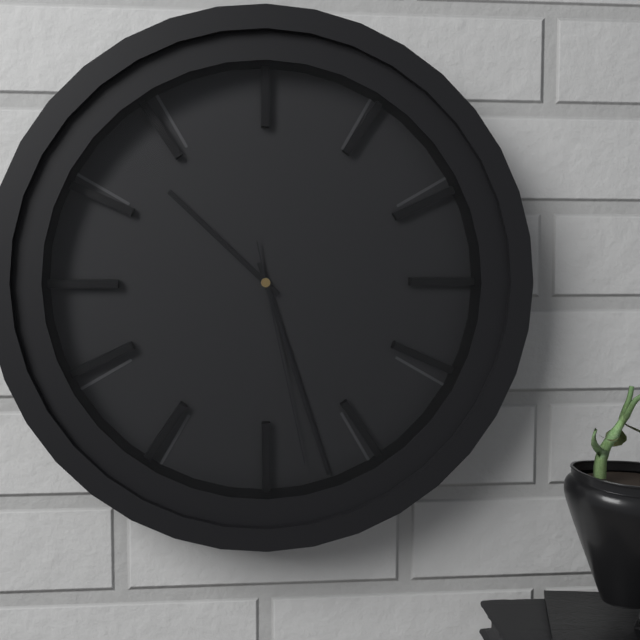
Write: 10:27:28
